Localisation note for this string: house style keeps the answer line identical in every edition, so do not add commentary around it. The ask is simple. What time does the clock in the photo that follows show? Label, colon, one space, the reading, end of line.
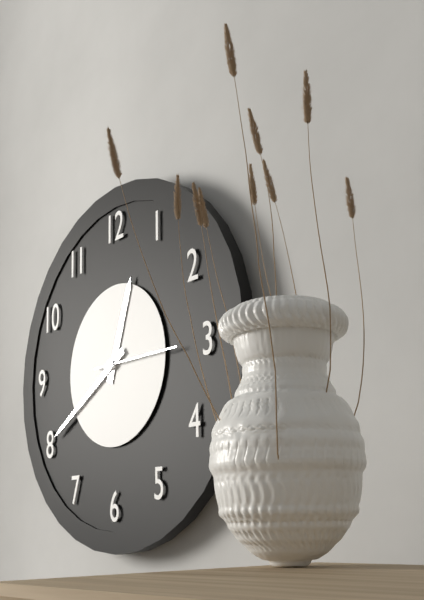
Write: 12:40:15
